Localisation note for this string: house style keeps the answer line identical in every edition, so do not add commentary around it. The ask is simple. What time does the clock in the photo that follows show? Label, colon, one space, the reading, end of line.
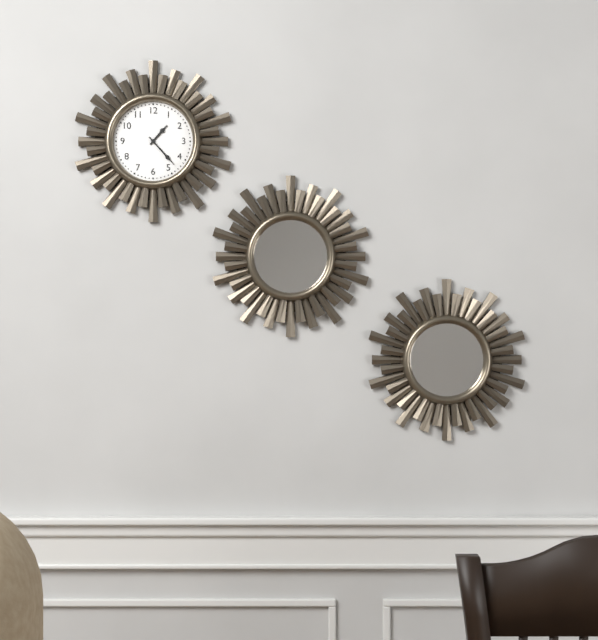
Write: 1:23
